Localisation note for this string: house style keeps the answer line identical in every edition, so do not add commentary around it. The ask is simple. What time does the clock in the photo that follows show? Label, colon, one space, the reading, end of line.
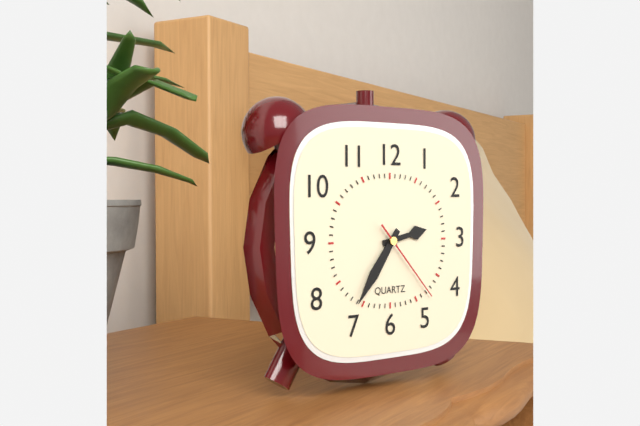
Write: 2:36:23
